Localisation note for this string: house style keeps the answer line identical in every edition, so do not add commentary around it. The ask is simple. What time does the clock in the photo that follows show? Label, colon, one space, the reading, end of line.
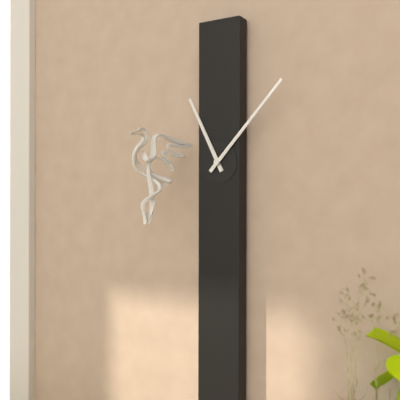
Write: 11:07
